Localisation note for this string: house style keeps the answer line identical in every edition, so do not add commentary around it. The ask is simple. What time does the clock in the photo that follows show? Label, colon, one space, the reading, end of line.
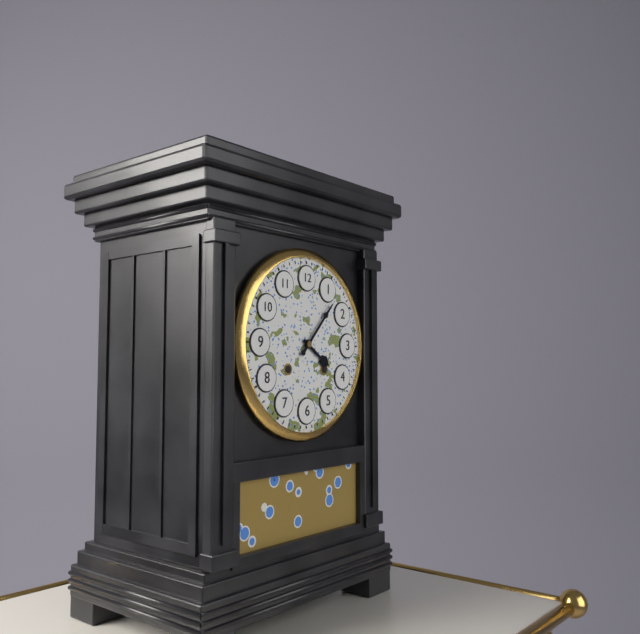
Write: 4:07
